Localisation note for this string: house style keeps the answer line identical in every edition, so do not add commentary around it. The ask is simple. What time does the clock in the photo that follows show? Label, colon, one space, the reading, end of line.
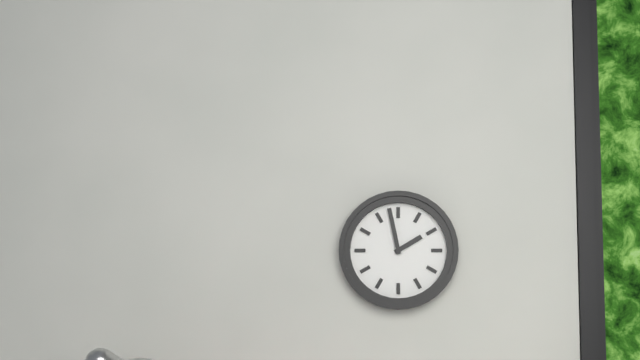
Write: 1:58
